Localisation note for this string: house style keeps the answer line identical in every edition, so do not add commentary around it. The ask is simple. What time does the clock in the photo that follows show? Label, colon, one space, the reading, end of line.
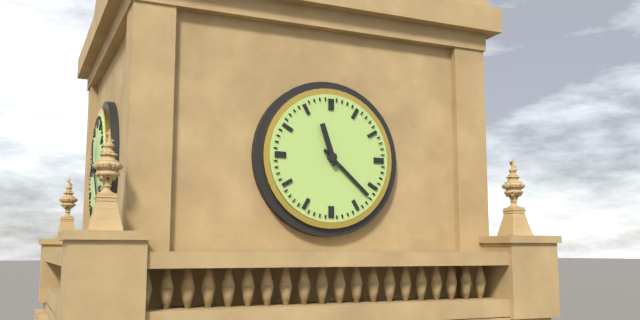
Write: 11:22
